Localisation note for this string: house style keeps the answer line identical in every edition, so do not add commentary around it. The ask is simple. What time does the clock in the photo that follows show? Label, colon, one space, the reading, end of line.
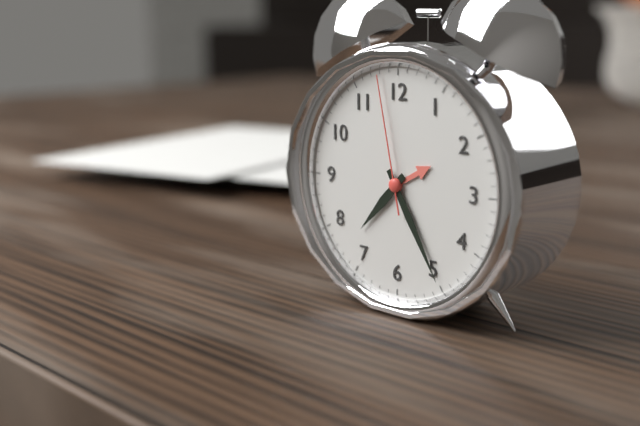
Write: 7:25:58
